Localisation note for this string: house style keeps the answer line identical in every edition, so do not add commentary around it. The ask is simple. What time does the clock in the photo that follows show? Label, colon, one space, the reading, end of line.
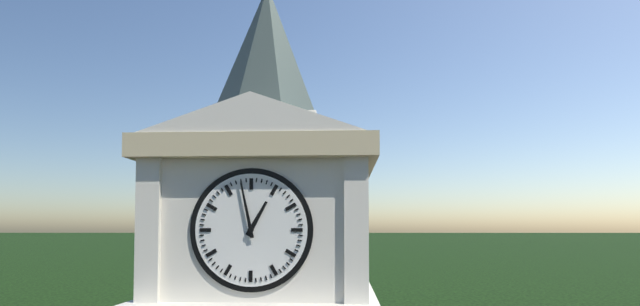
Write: 12:58
